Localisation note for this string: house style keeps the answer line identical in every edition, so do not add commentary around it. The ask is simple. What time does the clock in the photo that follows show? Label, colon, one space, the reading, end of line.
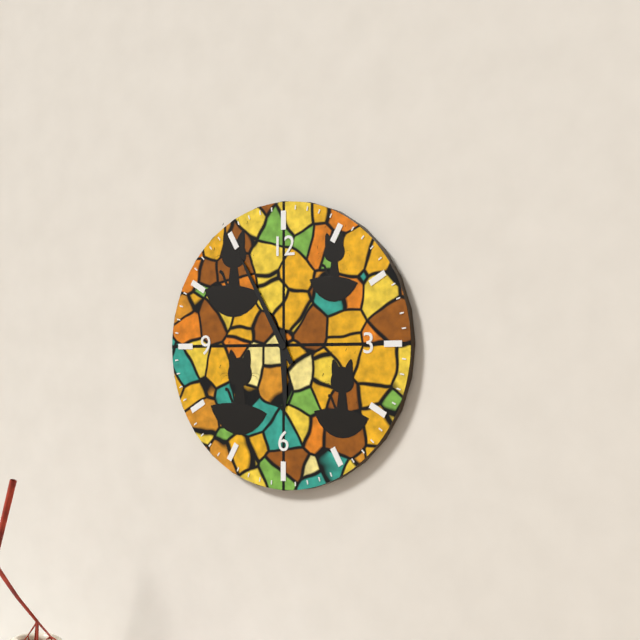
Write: 5:55
